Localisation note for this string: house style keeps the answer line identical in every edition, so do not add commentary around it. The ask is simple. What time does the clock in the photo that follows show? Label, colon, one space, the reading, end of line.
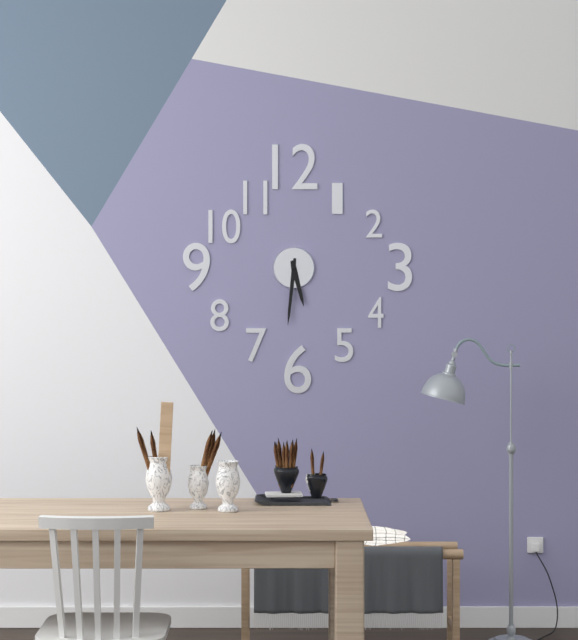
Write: 5:31
